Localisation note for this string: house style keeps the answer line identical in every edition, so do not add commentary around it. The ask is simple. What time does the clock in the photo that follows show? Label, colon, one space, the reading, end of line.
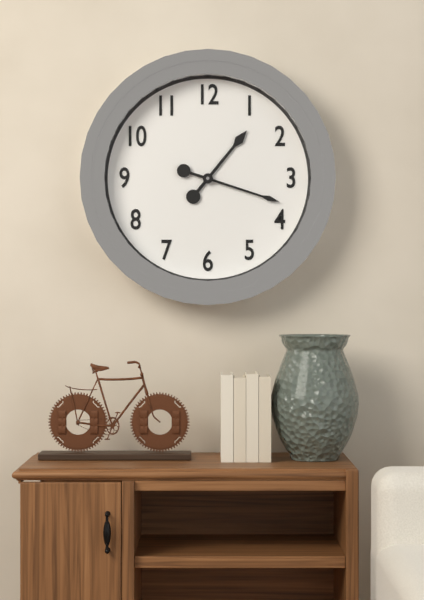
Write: 1:18
